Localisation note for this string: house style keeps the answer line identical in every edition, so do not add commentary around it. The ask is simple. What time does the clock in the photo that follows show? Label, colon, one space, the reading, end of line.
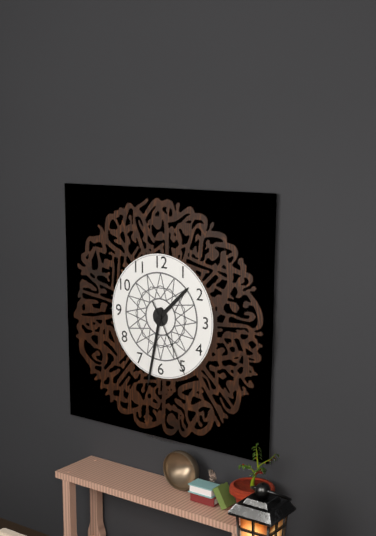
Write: 1:32:25
